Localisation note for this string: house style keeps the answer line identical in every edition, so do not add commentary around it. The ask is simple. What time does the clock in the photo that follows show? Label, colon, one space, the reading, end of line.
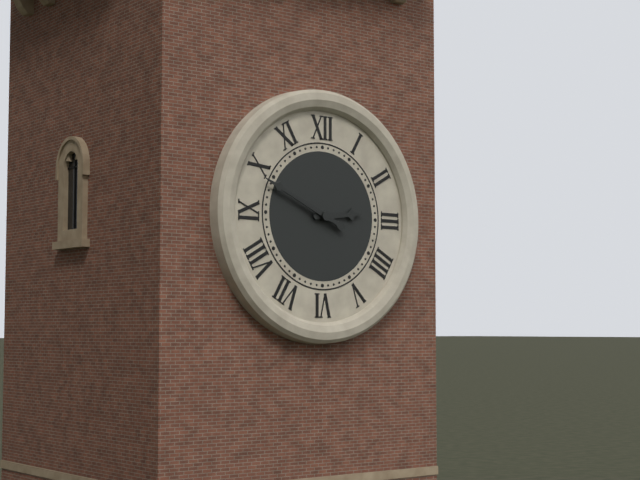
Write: 2:49
